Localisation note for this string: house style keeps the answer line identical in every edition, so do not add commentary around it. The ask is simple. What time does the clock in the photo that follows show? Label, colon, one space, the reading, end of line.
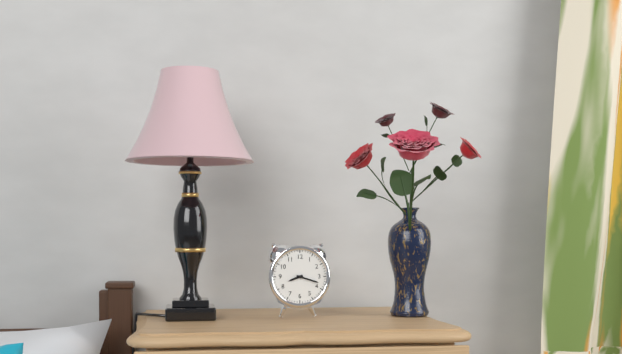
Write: 8:18
